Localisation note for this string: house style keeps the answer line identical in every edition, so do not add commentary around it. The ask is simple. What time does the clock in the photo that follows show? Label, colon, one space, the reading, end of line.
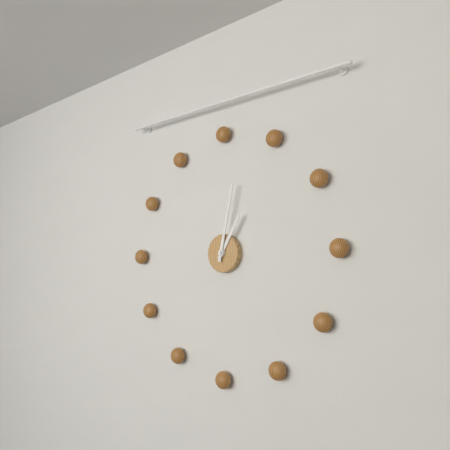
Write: 1:02
